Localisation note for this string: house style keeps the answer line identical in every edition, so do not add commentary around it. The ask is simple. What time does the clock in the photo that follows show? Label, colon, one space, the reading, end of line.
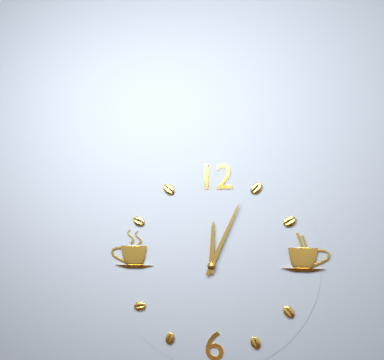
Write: 12:04
